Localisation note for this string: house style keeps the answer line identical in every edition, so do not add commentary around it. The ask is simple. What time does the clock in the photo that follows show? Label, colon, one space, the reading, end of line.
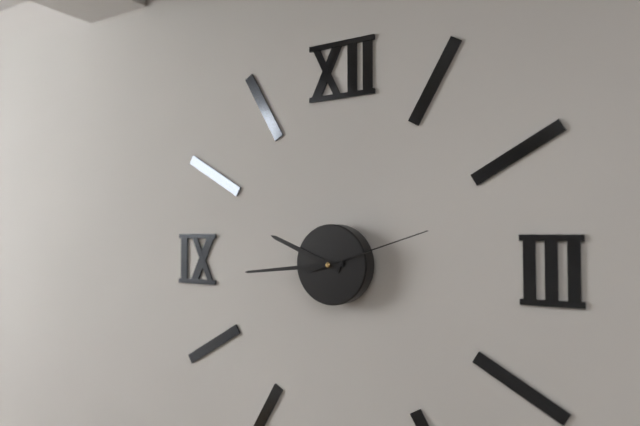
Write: 9:44:12
